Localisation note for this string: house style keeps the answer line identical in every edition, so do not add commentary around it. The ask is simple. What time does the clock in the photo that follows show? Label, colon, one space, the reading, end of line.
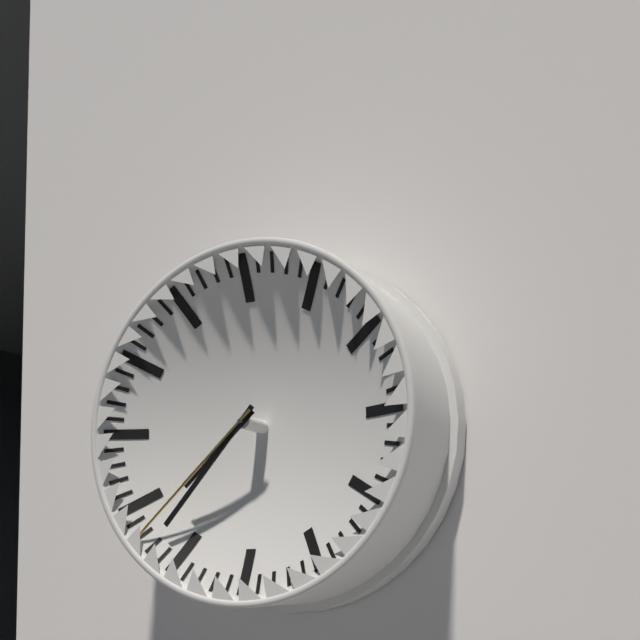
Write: 7:37:38
